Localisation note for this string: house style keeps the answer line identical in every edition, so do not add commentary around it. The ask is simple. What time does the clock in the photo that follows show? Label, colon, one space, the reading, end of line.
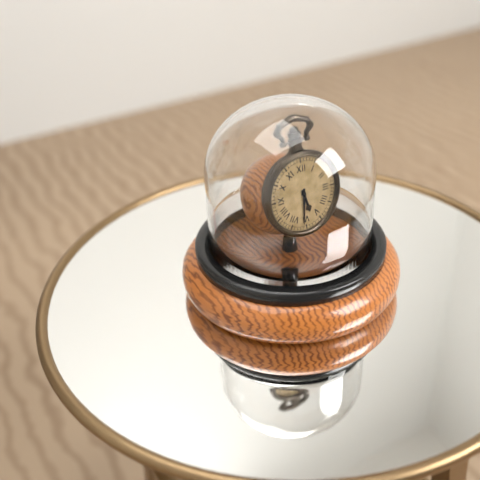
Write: 5:31
